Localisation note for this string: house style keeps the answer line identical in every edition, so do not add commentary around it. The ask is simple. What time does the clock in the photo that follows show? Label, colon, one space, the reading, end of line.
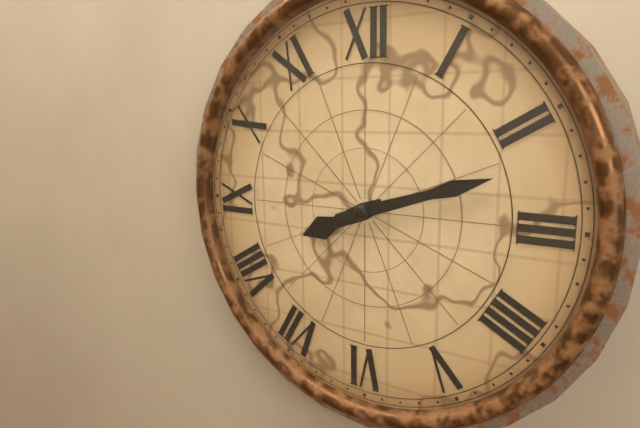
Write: 8:12
